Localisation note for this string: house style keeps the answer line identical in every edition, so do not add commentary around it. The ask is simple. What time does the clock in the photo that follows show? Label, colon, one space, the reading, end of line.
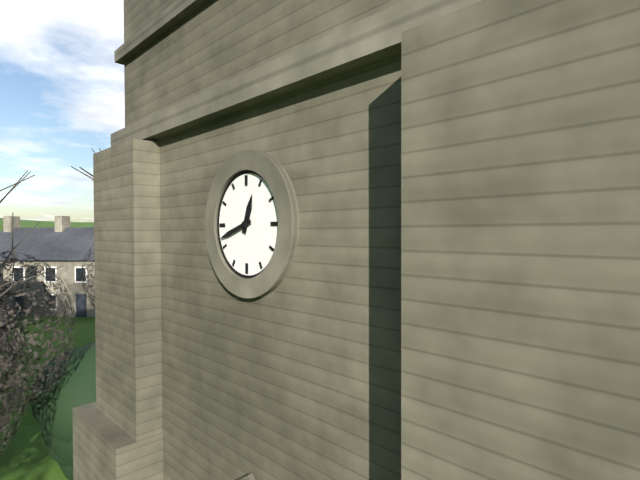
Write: 12:42
